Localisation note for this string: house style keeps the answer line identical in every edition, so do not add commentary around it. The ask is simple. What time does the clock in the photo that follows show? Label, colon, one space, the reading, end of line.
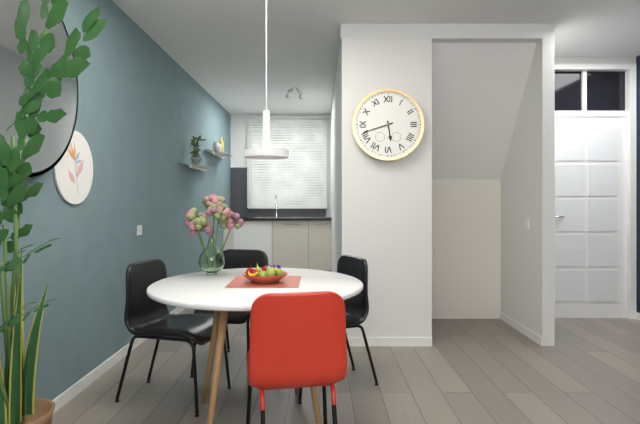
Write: 5:42
